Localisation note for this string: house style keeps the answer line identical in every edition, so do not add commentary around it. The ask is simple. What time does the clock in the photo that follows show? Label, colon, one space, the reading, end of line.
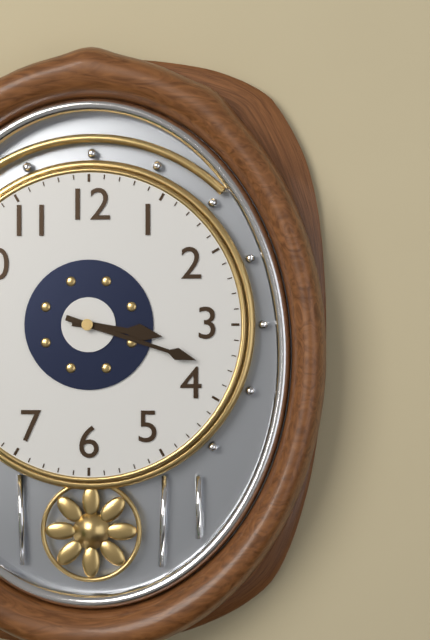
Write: 3:18
